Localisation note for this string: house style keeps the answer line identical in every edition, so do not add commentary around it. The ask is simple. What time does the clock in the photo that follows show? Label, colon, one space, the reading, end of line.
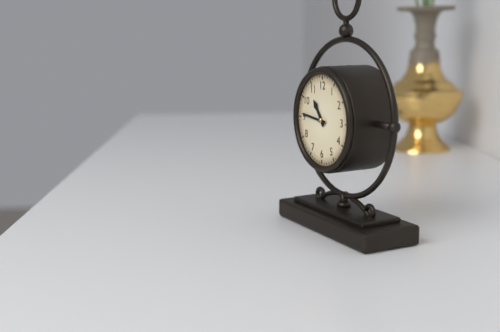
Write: 10:46
